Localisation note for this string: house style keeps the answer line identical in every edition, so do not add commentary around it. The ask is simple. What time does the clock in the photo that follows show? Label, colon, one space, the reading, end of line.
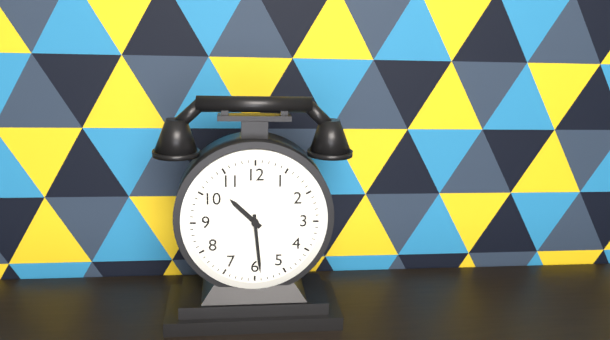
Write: 10:29
